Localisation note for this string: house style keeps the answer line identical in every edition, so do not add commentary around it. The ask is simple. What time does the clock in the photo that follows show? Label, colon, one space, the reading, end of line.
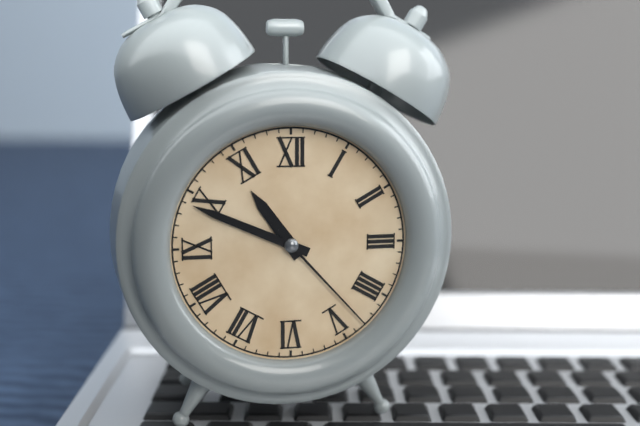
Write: 10:49:23
